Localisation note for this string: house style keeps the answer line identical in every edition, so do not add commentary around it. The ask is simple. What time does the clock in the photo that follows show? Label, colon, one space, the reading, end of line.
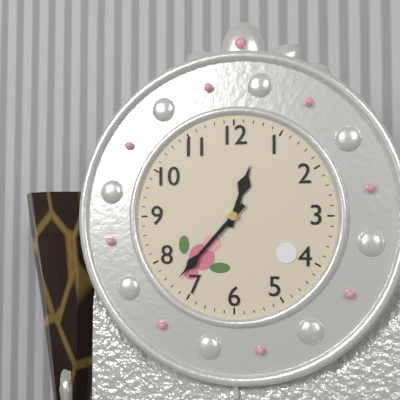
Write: 12:37
